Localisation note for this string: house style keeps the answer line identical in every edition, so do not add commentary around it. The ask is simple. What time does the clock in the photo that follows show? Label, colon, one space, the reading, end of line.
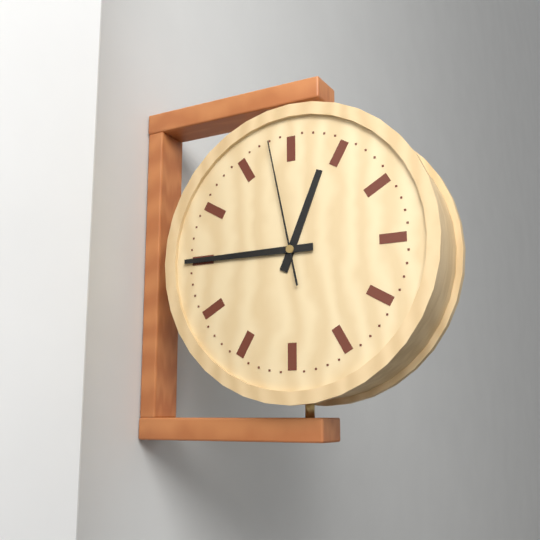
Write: 12:45:58
